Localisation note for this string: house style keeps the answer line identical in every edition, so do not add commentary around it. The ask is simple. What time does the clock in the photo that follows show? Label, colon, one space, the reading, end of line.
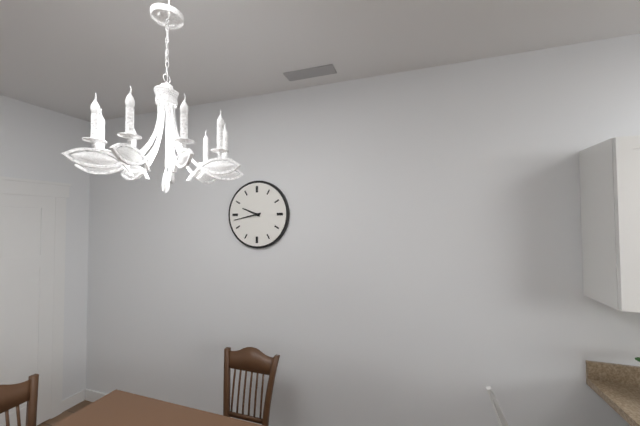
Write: 9:43
